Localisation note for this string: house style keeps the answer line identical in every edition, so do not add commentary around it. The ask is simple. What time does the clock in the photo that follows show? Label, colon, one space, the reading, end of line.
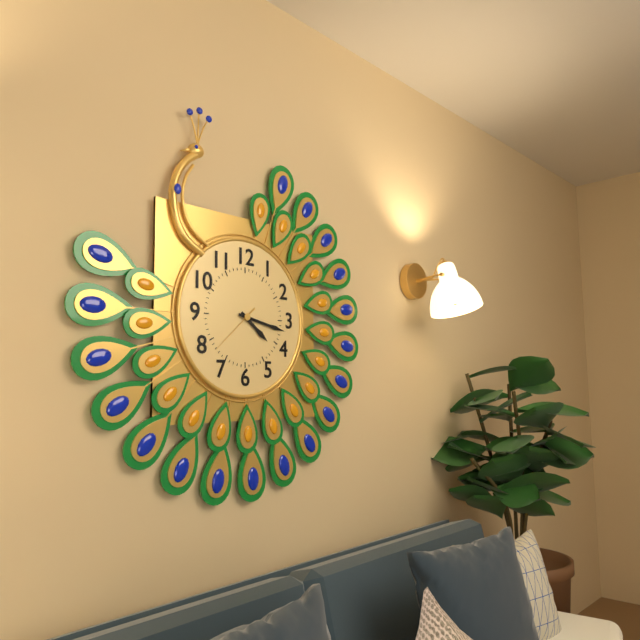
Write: 4:17:38
